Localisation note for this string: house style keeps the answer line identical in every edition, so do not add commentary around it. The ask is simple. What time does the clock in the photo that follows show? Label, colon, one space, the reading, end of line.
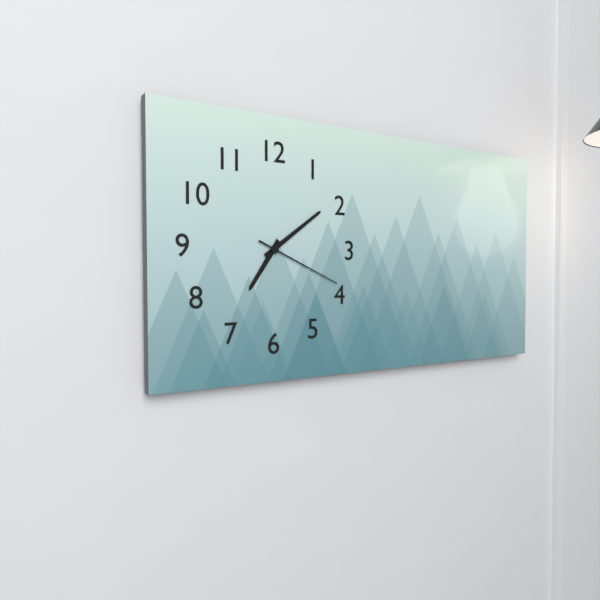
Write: 7:09:19
